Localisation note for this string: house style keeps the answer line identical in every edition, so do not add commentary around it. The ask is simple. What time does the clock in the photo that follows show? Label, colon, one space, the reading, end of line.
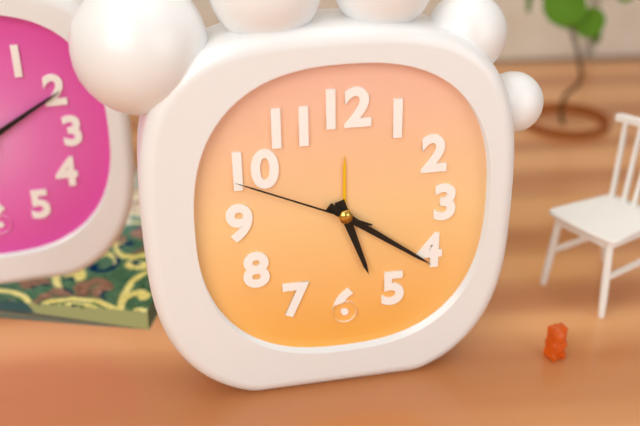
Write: 5:21:49
